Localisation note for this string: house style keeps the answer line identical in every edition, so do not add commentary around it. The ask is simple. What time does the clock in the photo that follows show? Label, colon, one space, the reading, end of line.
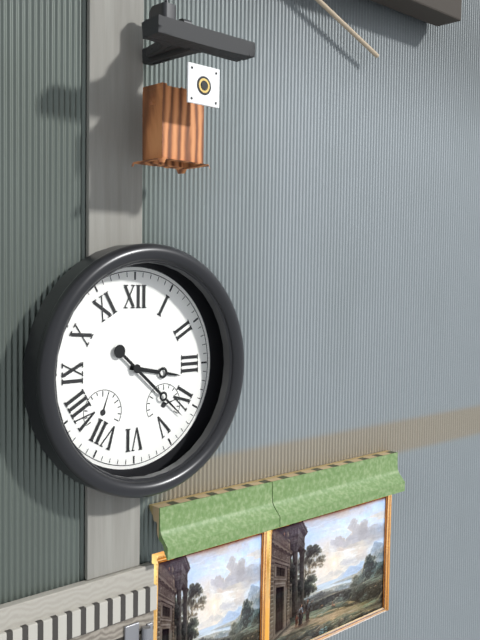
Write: 3:22
